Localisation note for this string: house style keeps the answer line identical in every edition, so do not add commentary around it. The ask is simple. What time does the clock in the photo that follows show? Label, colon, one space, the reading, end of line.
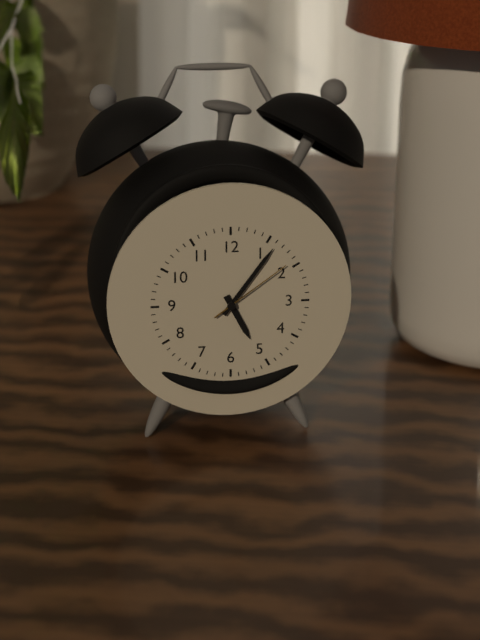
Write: 5:06:09
